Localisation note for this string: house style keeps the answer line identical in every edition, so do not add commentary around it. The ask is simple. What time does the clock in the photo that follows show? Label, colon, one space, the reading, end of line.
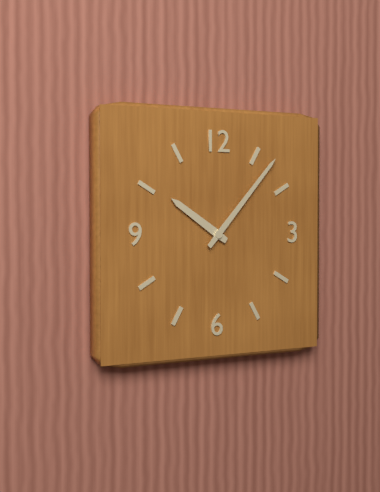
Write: 10:07
